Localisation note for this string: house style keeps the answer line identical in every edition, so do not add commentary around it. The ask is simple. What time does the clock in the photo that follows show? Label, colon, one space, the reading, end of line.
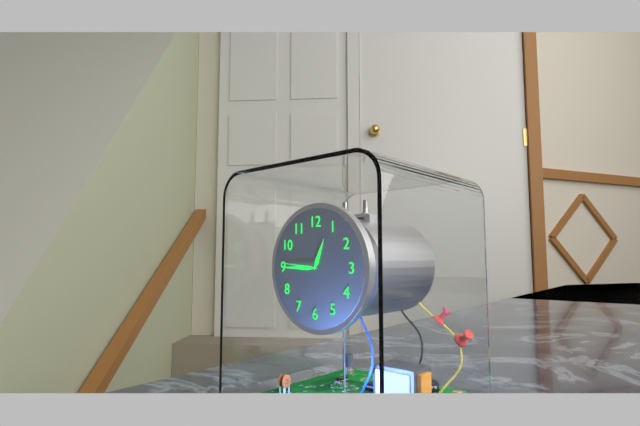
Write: 12:45
